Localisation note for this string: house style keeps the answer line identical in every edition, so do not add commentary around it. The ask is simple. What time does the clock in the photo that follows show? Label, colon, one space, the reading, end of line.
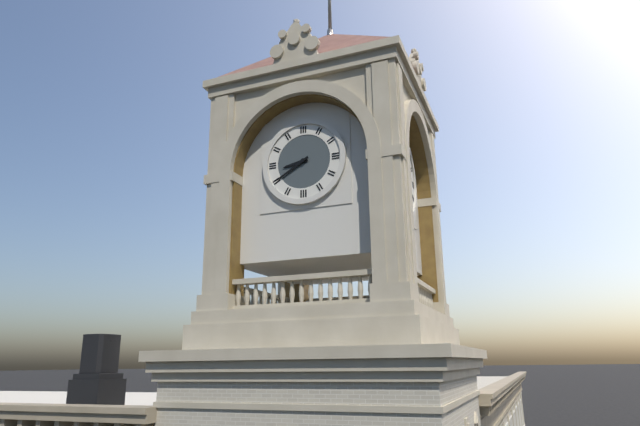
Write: 8:40
